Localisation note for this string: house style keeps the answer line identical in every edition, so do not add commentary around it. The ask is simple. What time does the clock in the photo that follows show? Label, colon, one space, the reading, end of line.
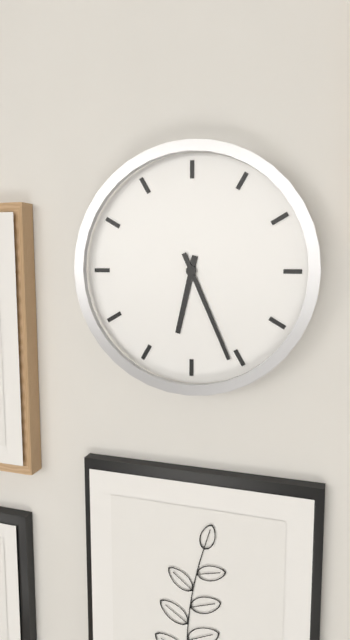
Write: 6:26
